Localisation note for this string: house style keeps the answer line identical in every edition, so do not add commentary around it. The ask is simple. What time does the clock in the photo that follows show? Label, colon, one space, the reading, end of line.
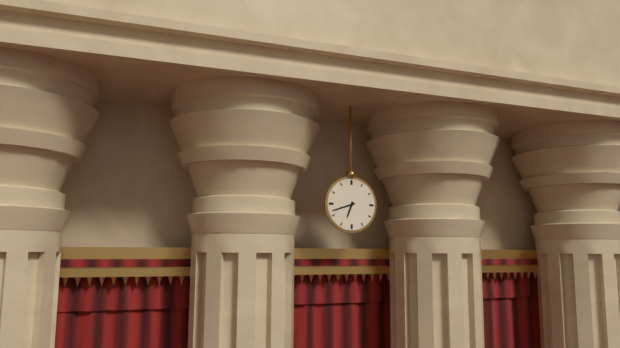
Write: 6:42
